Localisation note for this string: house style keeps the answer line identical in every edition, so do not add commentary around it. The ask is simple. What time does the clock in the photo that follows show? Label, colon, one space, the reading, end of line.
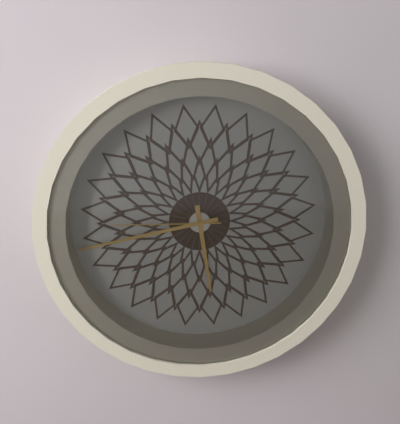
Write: 5:43:45
